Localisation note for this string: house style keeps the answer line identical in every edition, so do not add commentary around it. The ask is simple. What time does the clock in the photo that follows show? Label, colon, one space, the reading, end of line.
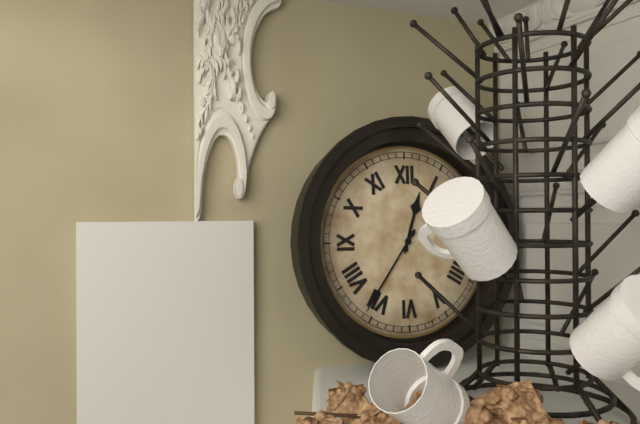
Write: 12:36
